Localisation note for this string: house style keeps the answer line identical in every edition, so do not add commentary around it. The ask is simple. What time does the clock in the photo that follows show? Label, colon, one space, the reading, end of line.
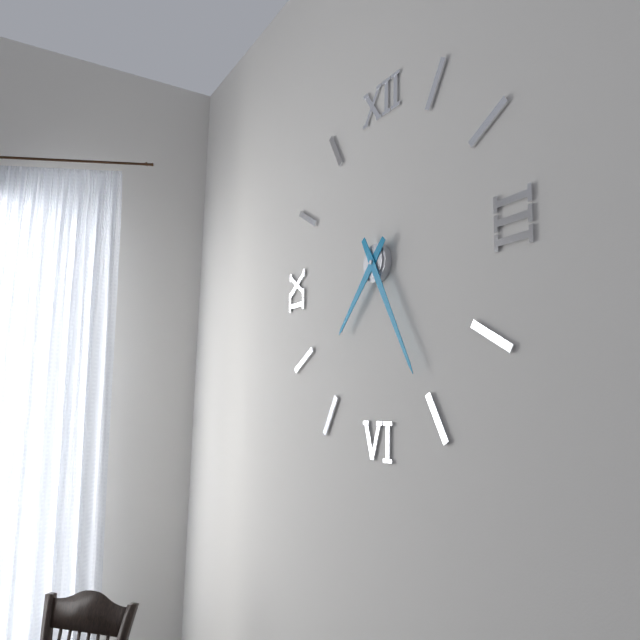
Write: 7:25
